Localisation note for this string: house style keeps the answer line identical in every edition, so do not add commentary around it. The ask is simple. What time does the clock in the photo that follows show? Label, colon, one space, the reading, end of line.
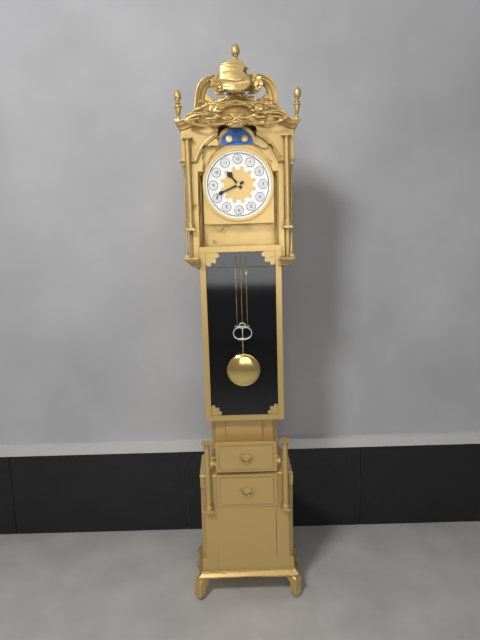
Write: 10:41
